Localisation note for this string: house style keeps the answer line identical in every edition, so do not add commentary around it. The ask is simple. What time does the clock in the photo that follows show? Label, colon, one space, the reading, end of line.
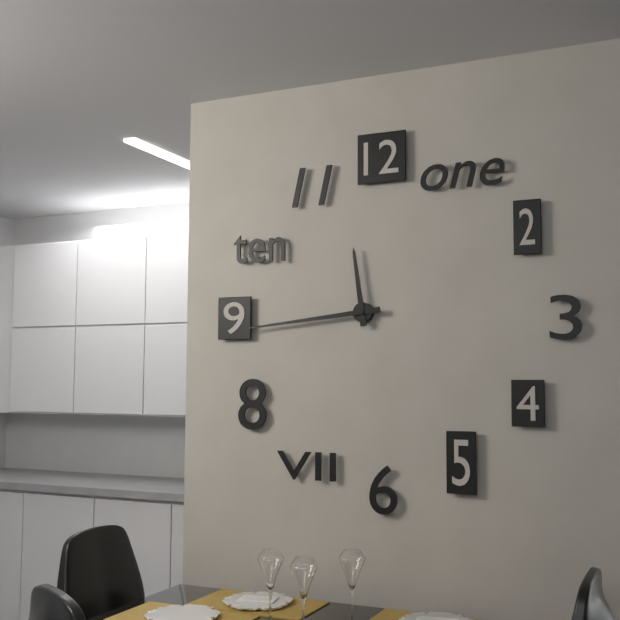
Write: 11:44
